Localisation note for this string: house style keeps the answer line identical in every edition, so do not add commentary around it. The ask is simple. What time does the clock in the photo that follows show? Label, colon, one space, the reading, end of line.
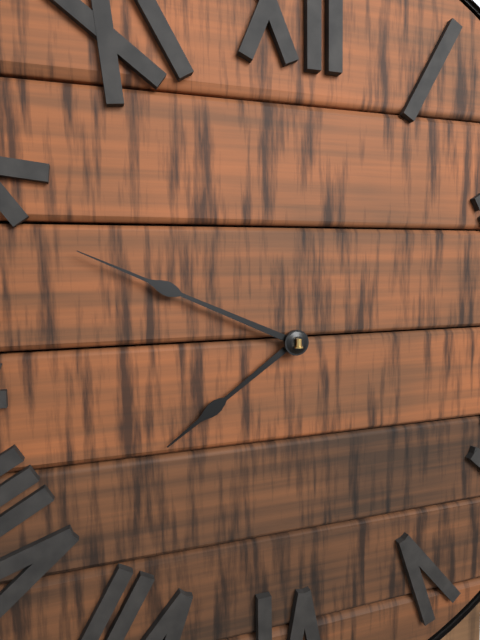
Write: 7:49
